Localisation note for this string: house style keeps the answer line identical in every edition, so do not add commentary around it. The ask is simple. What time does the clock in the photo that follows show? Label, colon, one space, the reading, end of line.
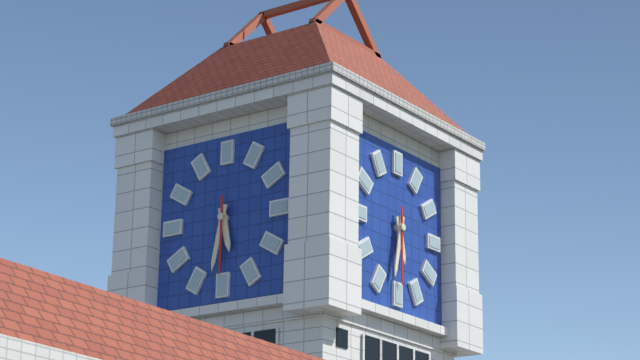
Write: 5:32:30
